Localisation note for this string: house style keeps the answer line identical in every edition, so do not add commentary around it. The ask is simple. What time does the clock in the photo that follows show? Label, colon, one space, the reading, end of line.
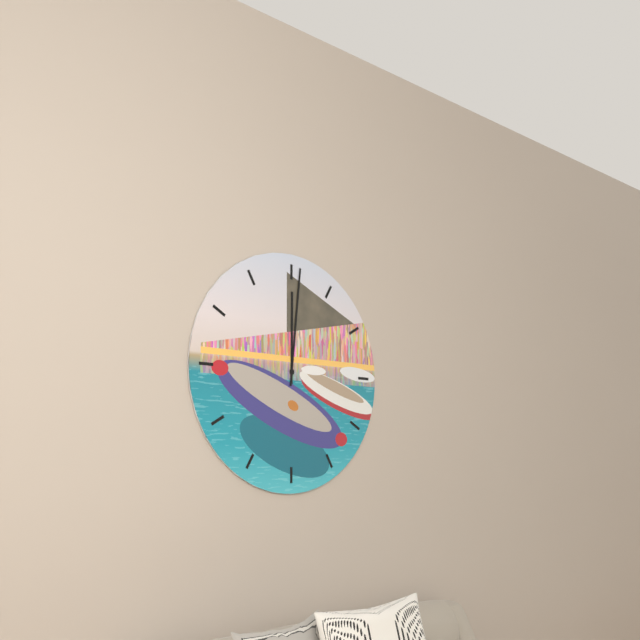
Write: 12:01
